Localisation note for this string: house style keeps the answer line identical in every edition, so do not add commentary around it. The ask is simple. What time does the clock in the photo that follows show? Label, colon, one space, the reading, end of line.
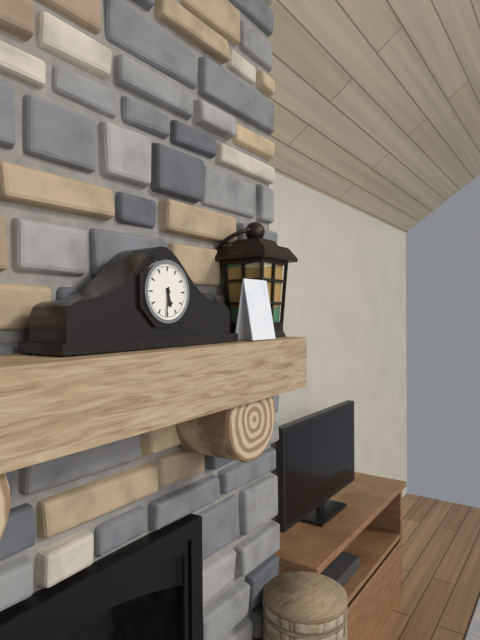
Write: 5:31
